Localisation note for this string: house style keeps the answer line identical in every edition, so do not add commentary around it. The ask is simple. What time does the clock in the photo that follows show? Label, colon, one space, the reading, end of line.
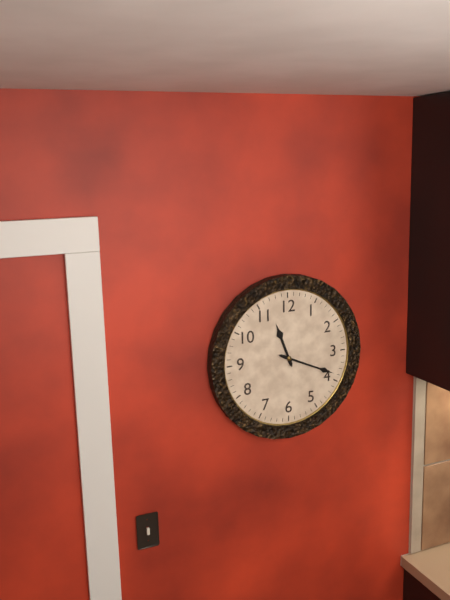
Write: 11:19
